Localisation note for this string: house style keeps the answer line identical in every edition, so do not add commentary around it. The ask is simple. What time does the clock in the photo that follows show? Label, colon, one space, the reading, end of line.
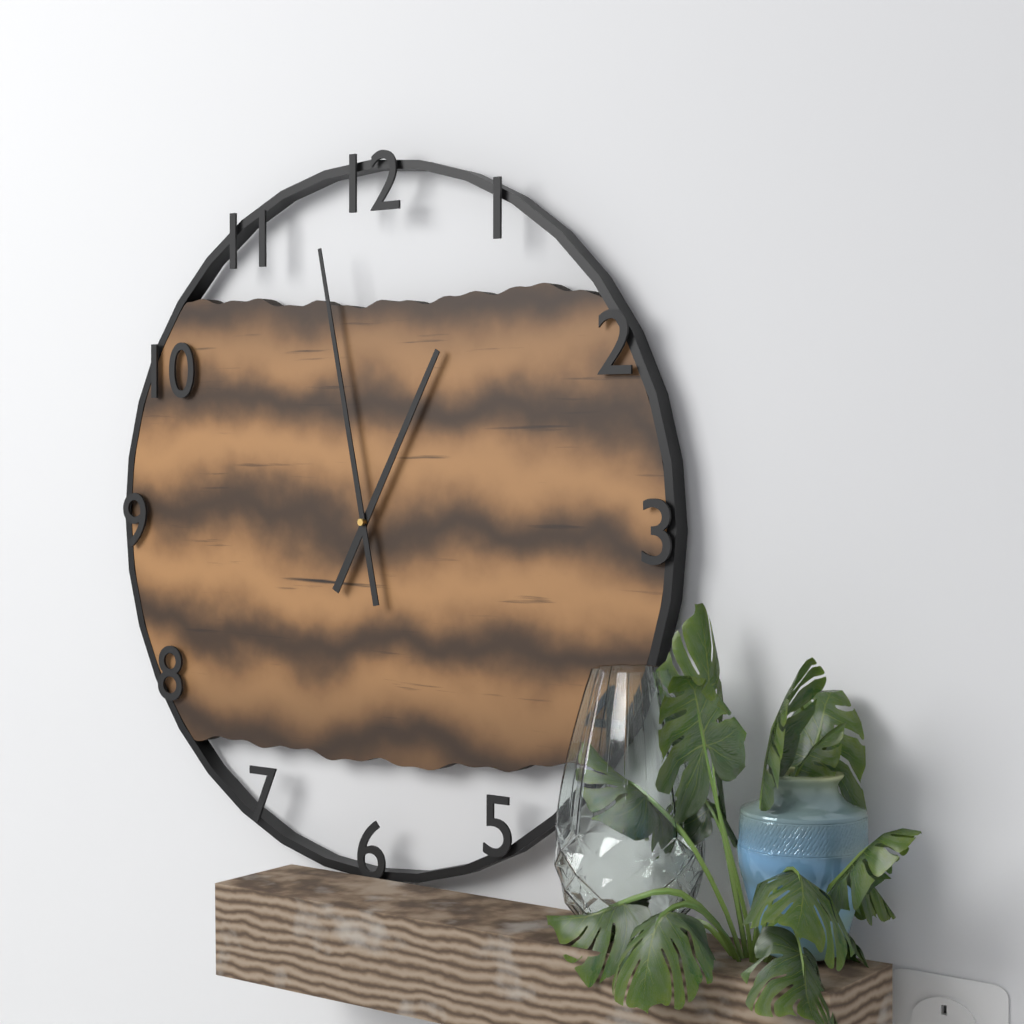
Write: 12:58
